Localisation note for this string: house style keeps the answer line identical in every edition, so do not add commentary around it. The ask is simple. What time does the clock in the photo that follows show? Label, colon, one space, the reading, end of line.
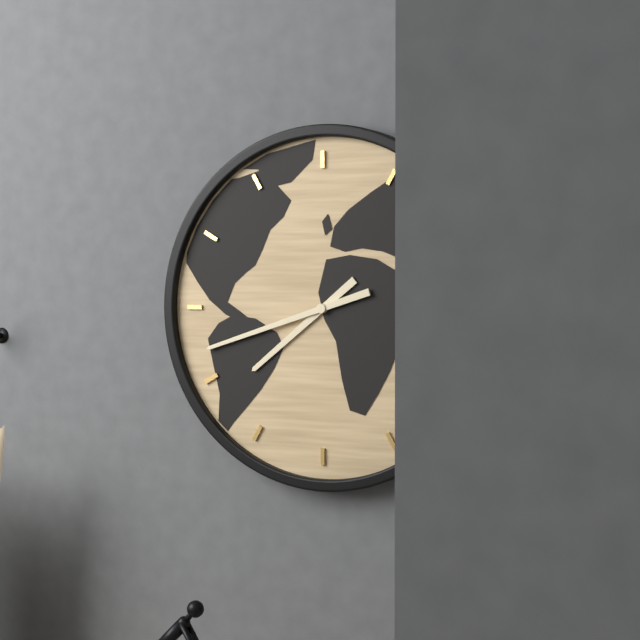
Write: 7:42
